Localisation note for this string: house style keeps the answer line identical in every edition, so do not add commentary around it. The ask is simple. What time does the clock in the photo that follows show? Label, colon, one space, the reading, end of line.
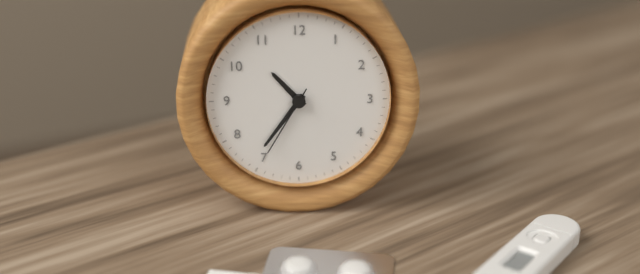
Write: 10:36:35
